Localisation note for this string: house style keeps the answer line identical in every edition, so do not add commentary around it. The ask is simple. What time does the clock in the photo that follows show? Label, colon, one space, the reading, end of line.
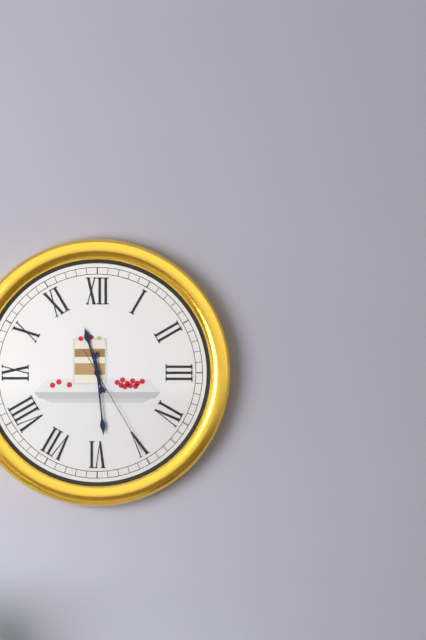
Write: 11:29:25
